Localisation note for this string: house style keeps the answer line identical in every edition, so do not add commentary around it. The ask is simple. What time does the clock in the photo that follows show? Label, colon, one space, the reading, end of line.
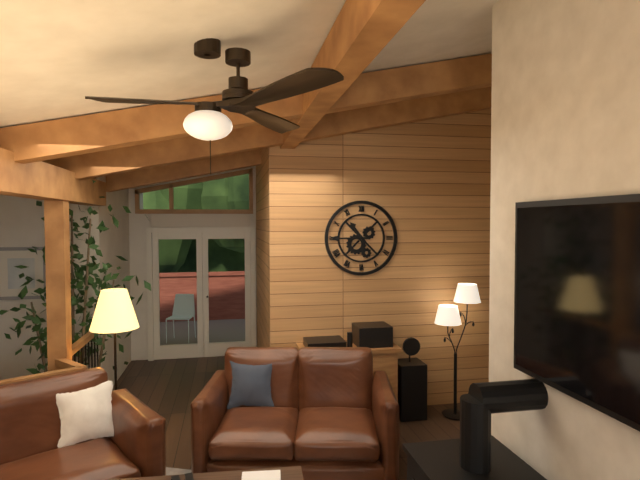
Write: 10:45
